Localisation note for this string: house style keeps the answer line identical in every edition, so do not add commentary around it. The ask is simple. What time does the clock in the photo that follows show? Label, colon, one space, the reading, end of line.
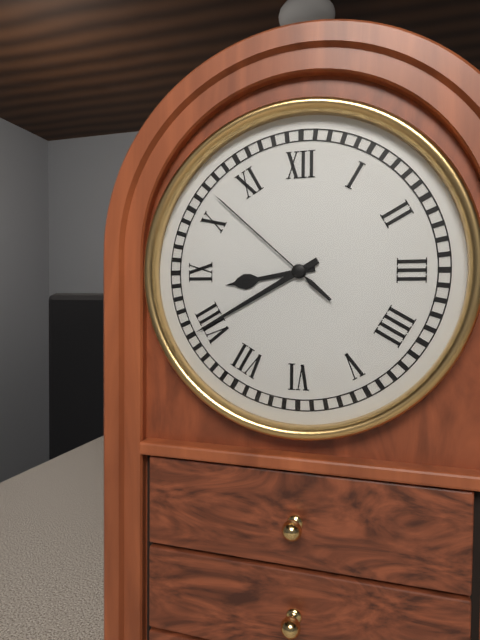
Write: 8:40:52
